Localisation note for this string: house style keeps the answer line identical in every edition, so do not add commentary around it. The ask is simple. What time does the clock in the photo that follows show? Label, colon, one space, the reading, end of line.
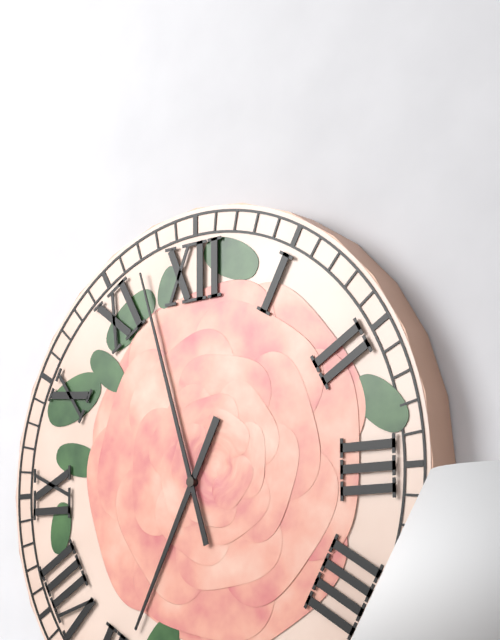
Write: 6:57
